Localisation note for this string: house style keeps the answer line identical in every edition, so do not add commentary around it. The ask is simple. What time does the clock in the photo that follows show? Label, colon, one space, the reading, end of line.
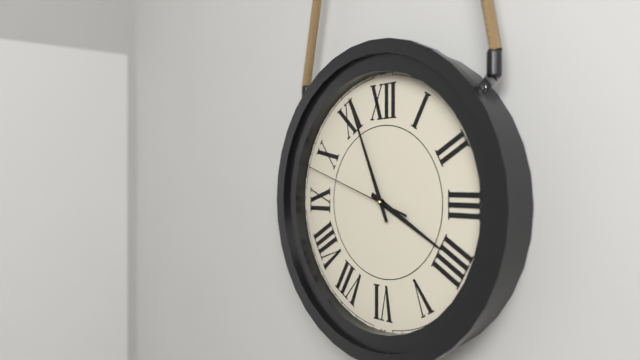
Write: 3:56:48
